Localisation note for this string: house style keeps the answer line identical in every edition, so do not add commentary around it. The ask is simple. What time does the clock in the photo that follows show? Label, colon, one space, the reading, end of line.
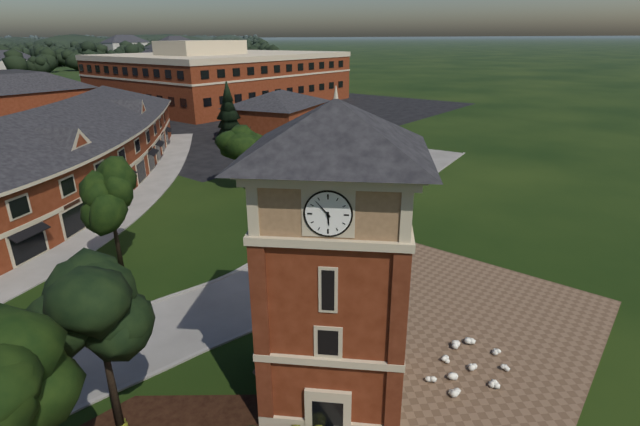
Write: 5:53
